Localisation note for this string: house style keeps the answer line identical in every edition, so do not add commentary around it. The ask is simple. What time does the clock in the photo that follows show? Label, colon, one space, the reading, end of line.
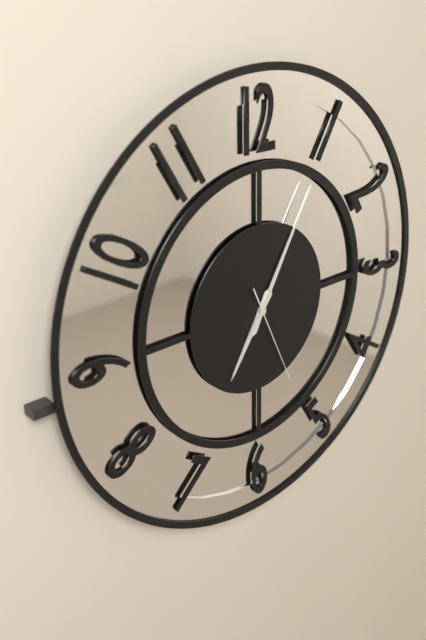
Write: 7:05:26
